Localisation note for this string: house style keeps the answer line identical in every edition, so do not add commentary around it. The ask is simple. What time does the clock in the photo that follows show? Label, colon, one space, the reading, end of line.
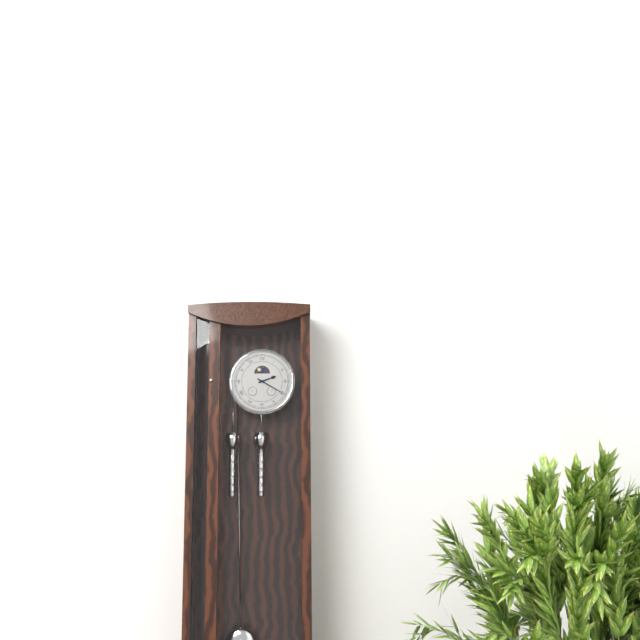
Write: 2:20
